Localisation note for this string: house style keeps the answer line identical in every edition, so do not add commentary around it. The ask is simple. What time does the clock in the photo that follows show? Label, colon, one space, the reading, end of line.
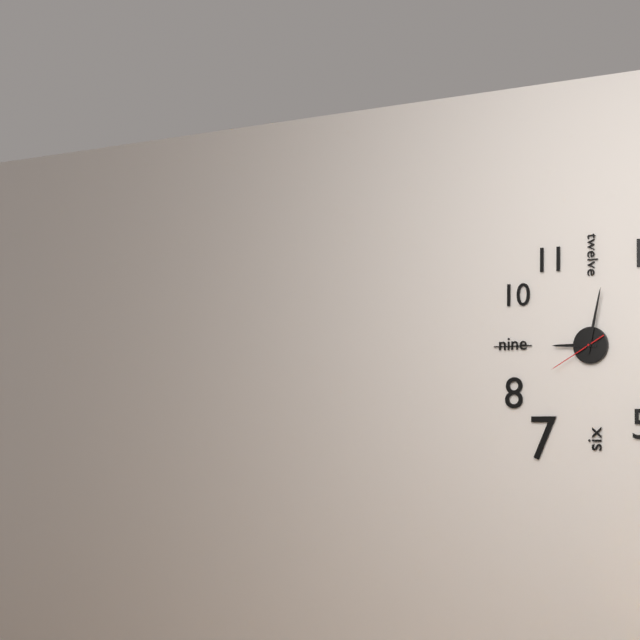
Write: 9:02:40
